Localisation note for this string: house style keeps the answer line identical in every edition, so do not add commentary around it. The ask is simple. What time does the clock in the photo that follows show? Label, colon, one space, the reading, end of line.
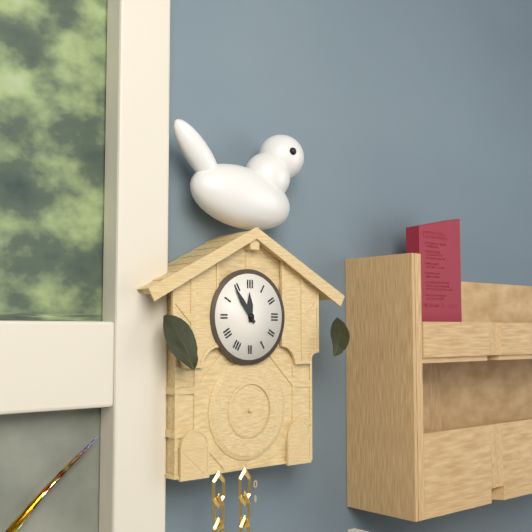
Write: 11:54
